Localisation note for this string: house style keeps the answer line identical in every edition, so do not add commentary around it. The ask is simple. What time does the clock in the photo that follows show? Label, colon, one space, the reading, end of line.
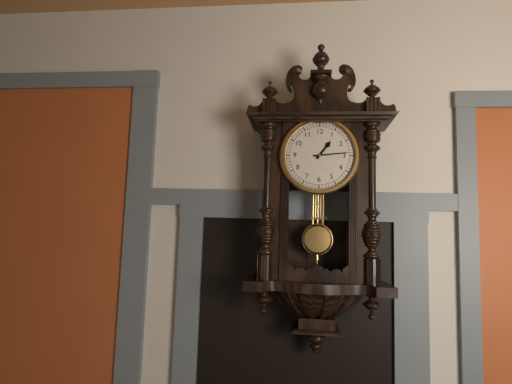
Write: 1:14
